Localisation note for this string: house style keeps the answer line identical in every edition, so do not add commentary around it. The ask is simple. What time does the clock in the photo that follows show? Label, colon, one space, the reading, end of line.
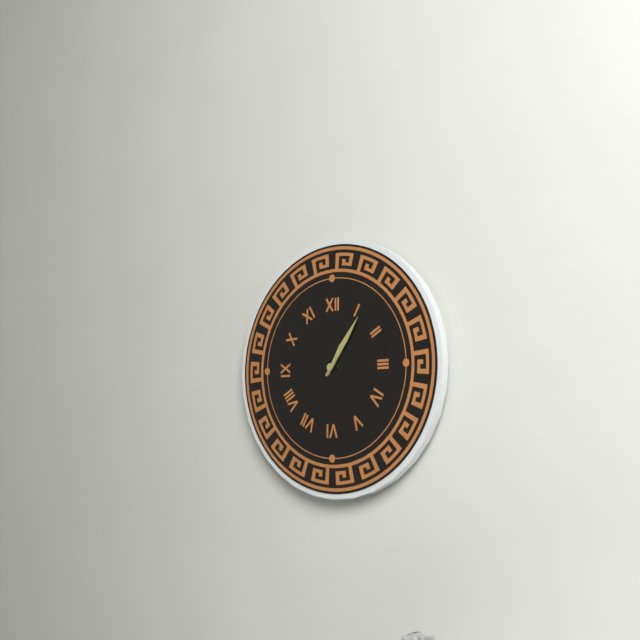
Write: 1:06
